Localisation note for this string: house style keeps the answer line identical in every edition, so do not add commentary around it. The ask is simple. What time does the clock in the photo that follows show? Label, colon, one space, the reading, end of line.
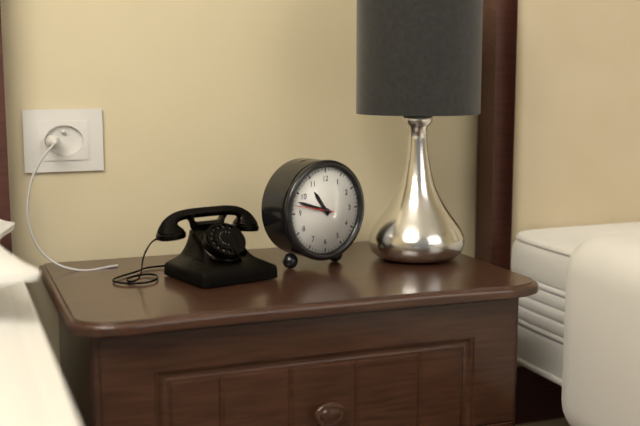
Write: 10:48
